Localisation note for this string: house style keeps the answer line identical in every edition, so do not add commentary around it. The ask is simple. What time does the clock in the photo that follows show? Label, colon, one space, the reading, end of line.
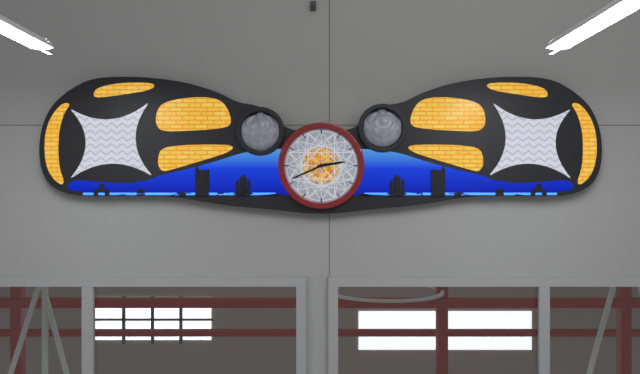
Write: 2:41
